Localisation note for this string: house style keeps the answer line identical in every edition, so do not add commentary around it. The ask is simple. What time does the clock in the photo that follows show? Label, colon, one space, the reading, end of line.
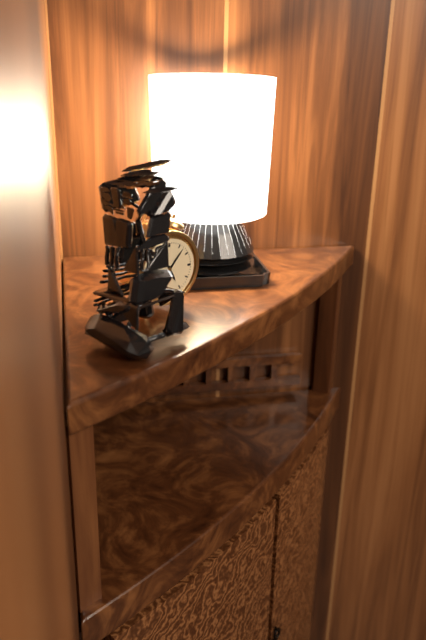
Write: 5:07
